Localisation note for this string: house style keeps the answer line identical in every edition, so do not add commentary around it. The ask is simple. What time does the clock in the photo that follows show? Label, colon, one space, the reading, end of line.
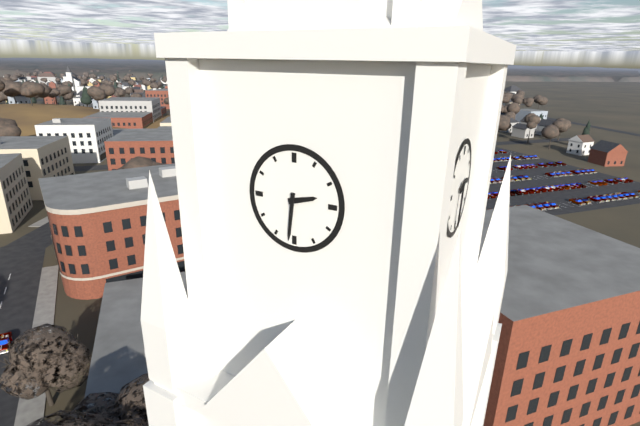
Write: 2:31
